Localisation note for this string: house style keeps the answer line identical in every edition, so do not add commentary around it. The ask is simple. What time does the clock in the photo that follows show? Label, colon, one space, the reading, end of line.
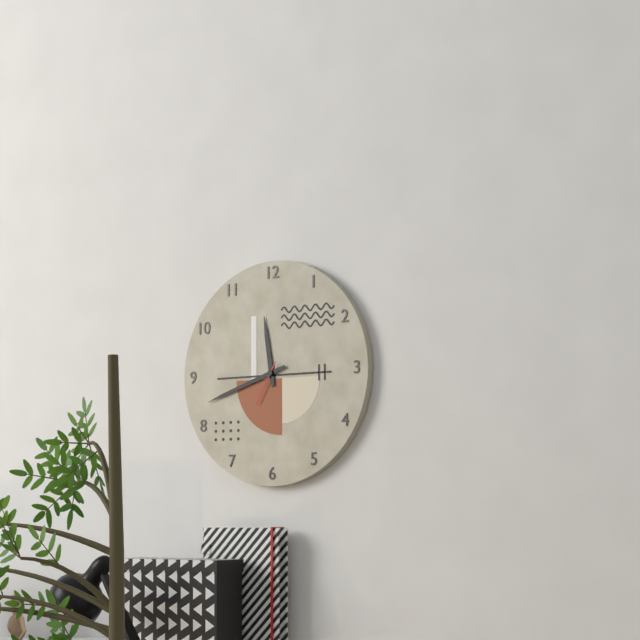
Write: 11:42
